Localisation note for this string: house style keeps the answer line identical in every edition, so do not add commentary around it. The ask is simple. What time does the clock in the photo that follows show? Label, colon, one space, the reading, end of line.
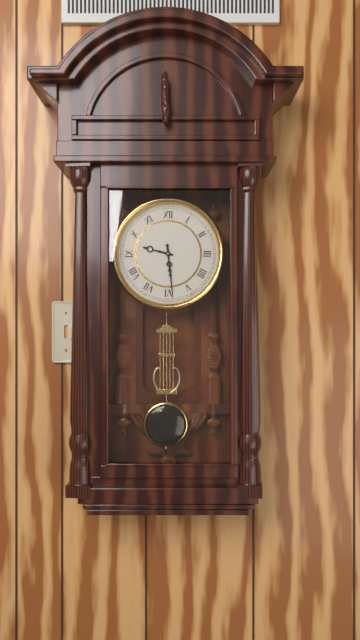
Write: 9:29
